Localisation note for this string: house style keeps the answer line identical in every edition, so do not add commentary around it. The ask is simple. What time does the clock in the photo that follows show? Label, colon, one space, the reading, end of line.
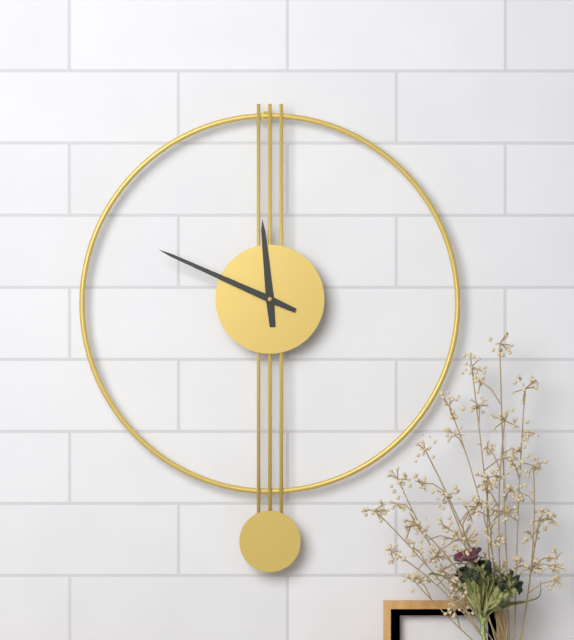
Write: 11:49
